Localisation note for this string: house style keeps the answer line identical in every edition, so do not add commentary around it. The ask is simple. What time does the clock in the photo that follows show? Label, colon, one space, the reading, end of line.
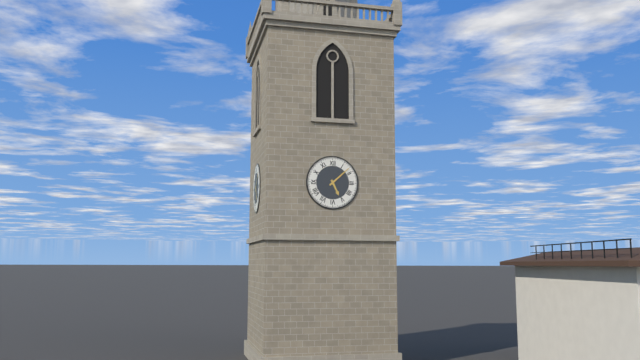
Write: 5:08
